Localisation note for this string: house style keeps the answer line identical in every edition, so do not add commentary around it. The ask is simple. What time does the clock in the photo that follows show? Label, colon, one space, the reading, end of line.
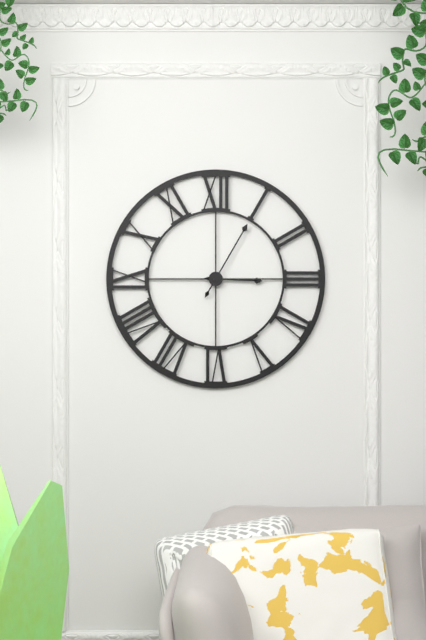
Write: 3:05
